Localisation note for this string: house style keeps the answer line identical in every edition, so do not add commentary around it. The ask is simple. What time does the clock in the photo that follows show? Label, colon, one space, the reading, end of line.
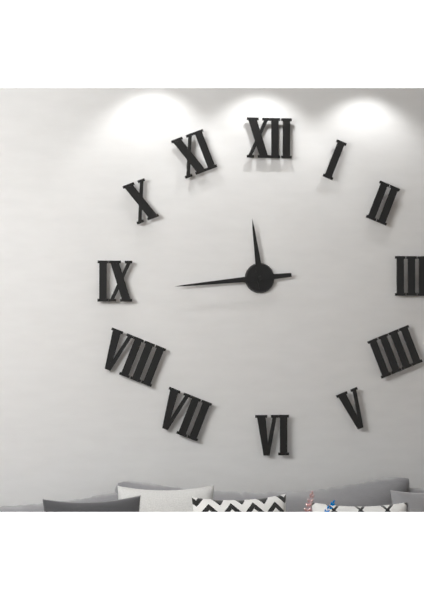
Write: 11:44
